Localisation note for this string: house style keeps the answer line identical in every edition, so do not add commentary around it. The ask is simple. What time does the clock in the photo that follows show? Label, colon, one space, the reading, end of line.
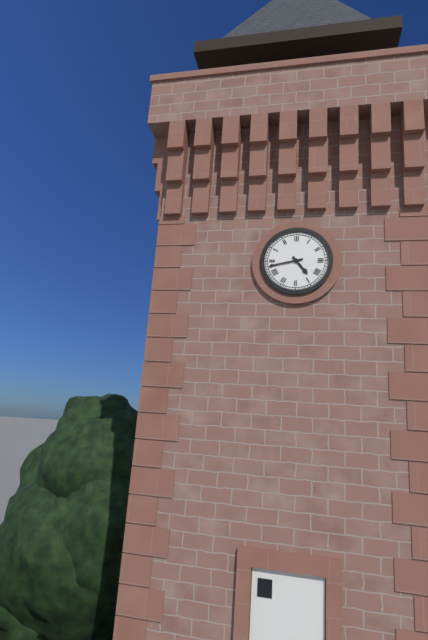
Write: 4:43
